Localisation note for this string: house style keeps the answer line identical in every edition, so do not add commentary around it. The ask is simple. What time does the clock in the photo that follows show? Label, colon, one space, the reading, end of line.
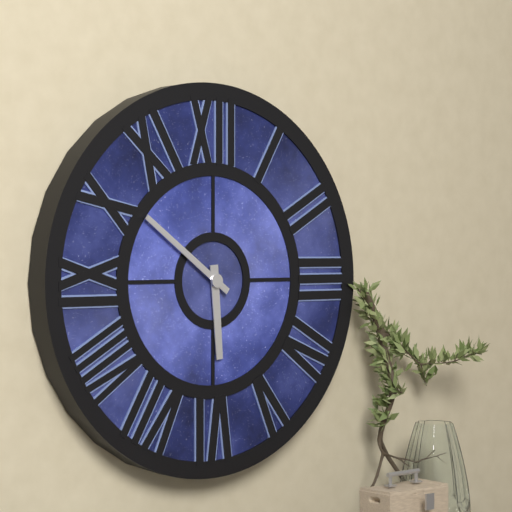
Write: 5:51
